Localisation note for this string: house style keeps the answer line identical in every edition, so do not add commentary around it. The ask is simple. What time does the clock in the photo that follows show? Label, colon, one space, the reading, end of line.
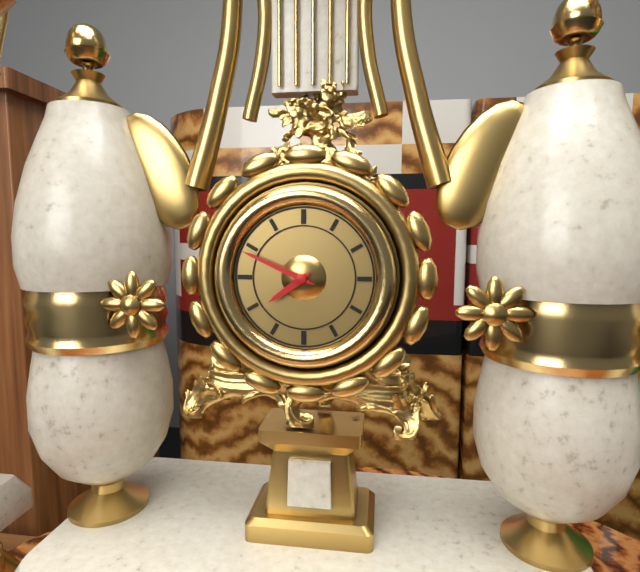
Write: 7:49
